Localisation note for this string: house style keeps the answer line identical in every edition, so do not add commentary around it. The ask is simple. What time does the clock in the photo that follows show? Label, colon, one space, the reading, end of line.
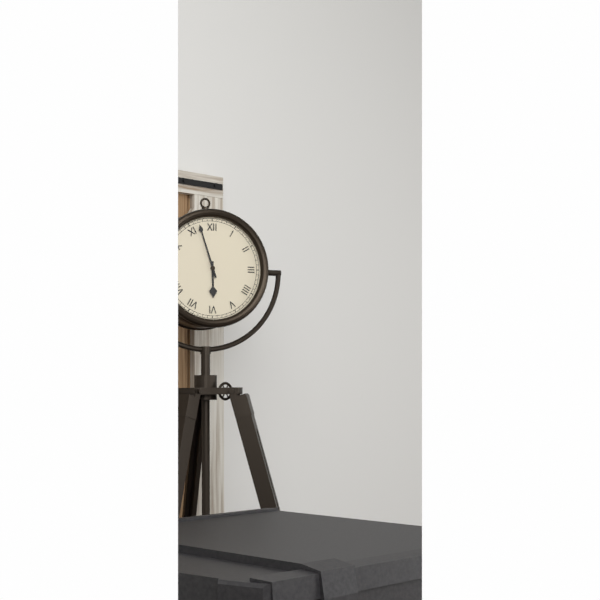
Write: 5:57
